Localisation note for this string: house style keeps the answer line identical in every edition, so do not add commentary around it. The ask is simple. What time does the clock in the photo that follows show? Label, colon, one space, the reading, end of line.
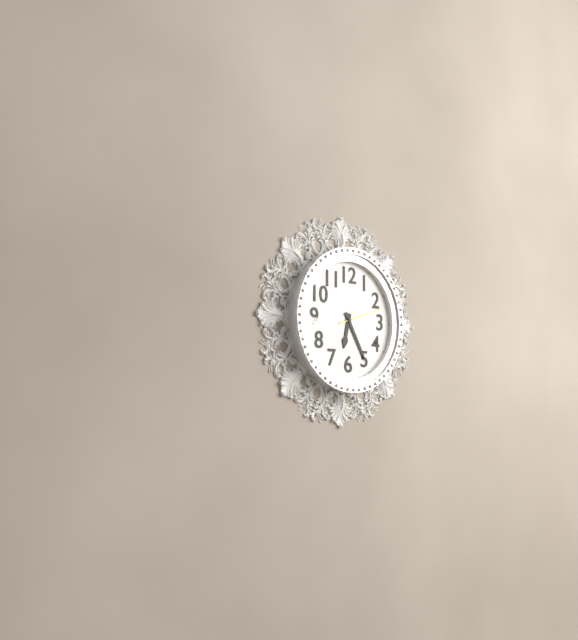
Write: 6:25
